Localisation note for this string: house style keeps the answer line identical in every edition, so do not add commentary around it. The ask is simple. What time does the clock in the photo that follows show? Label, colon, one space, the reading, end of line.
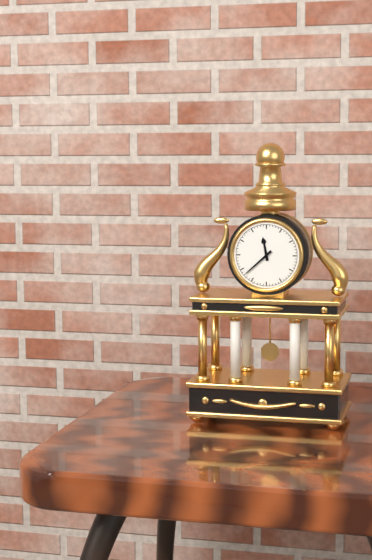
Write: 11:38
